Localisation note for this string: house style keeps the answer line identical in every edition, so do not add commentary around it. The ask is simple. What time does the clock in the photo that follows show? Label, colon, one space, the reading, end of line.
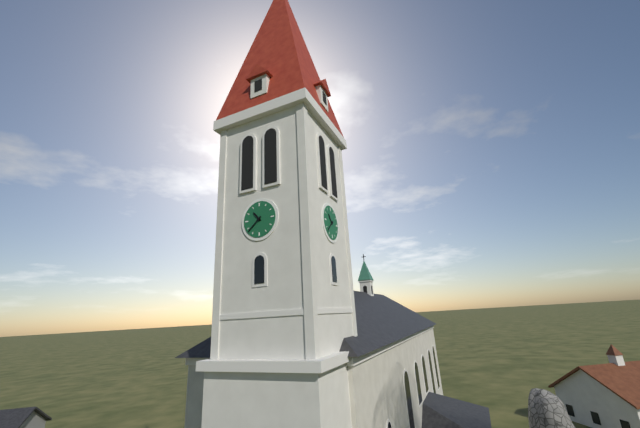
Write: 10:38
